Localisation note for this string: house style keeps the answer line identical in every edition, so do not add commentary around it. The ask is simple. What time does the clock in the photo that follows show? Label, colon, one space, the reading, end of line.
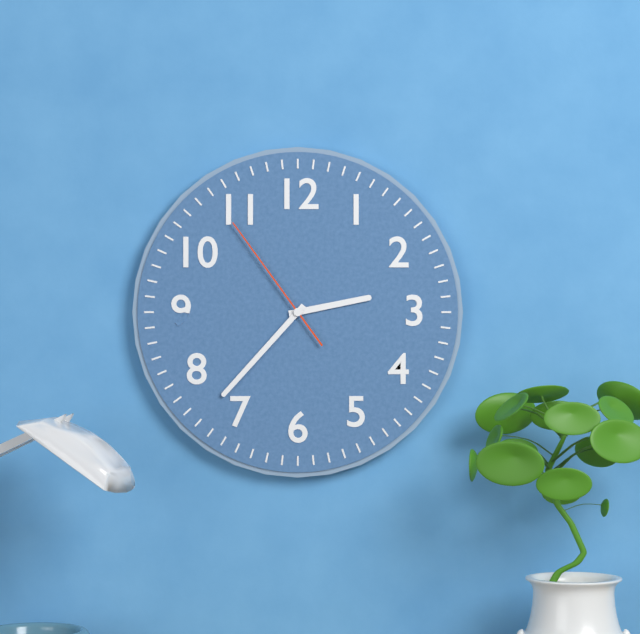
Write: 2:37:54
